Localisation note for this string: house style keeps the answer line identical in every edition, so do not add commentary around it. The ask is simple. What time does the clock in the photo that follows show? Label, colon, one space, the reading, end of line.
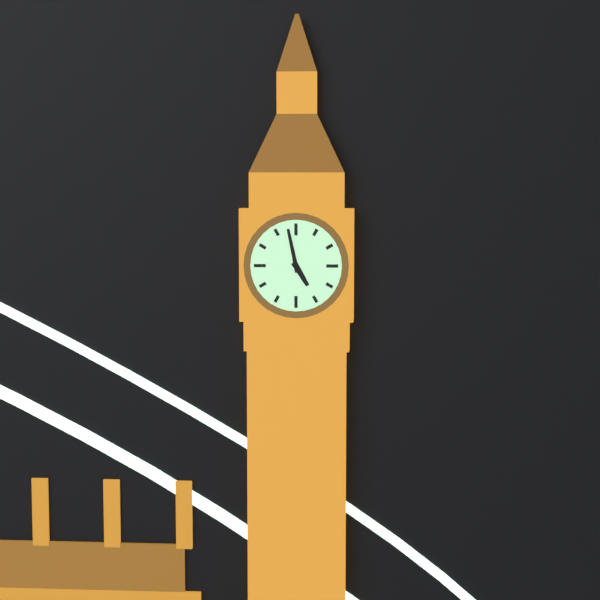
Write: 4:58
